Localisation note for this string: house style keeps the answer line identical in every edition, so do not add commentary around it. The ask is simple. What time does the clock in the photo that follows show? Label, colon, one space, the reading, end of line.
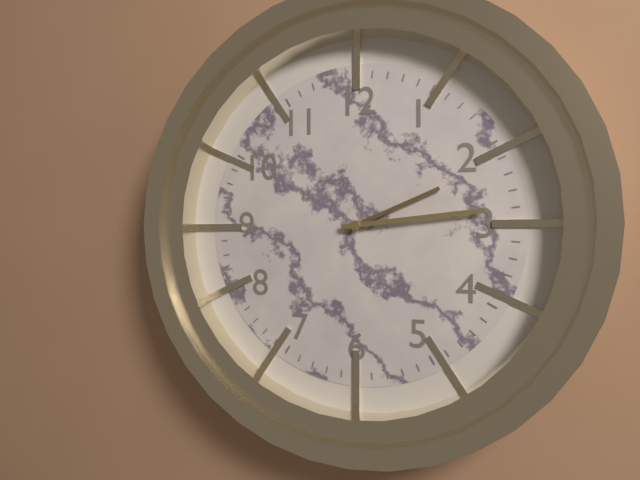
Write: 2:14
